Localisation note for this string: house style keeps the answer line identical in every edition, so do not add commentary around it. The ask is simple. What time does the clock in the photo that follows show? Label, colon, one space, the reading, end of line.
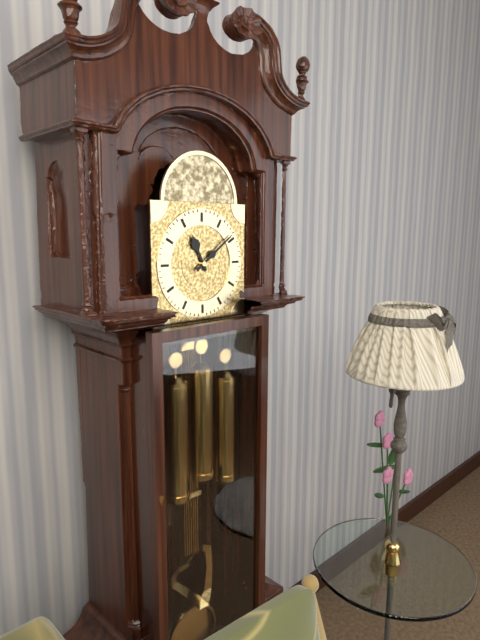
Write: 11:09
